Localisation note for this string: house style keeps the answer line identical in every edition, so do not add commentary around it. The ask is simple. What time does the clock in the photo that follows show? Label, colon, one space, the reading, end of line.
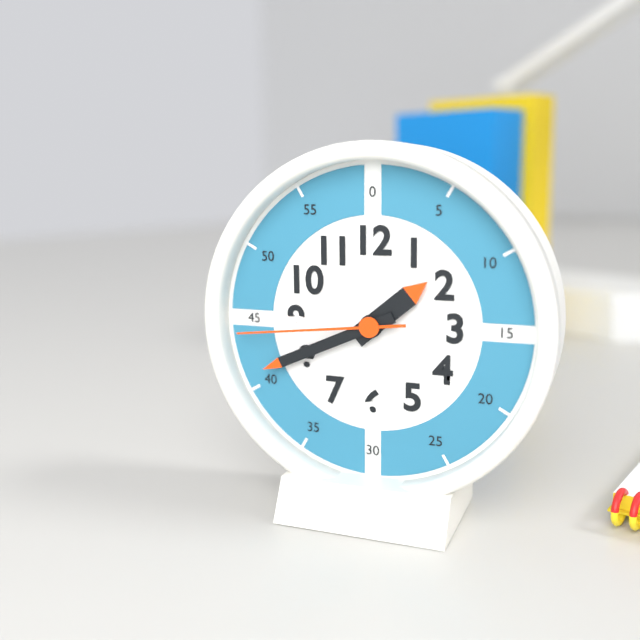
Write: 1:41:44
